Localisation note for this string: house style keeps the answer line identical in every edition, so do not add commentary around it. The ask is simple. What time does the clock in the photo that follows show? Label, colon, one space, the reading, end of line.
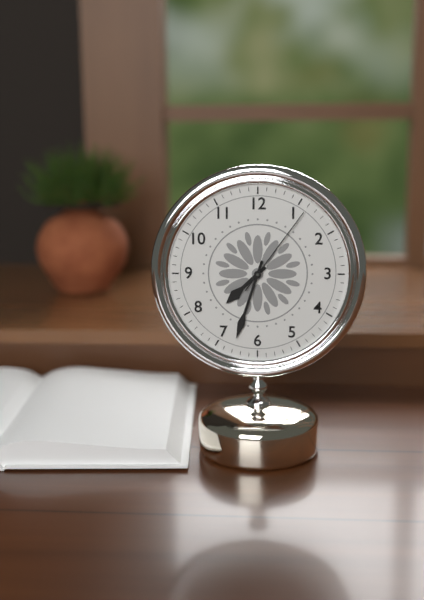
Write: 7:33:06
